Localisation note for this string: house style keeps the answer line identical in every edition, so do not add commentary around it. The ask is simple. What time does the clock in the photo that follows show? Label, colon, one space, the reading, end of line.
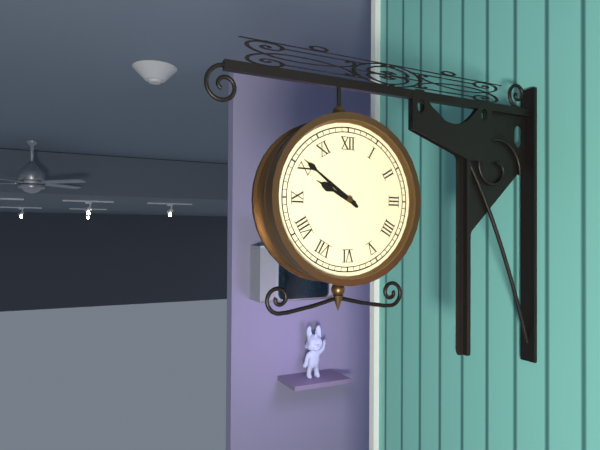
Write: 9:51
